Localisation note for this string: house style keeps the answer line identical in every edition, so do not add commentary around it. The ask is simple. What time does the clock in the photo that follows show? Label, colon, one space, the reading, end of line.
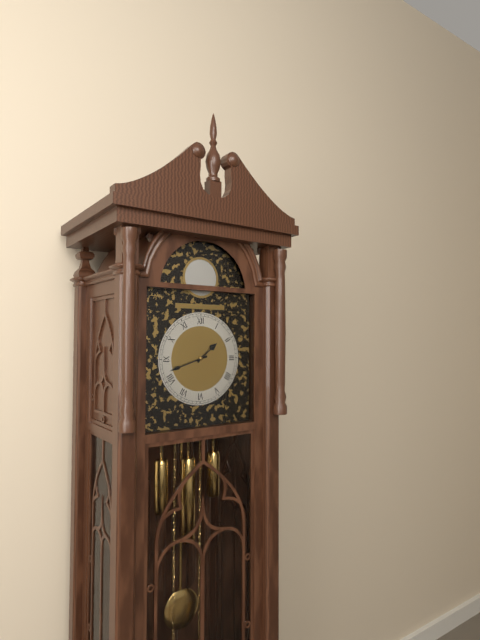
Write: 1:42
